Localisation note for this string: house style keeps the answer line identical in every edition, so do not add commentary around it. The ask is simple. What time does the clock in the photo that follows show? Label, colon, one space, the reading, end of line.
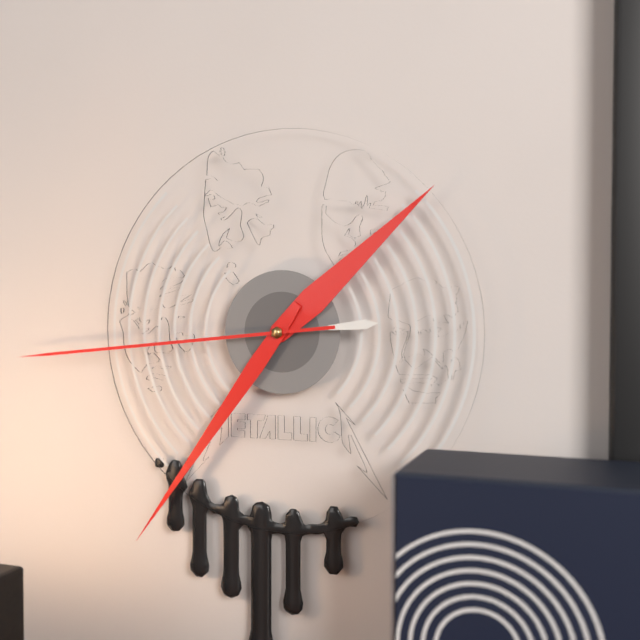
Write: 1:36:44
